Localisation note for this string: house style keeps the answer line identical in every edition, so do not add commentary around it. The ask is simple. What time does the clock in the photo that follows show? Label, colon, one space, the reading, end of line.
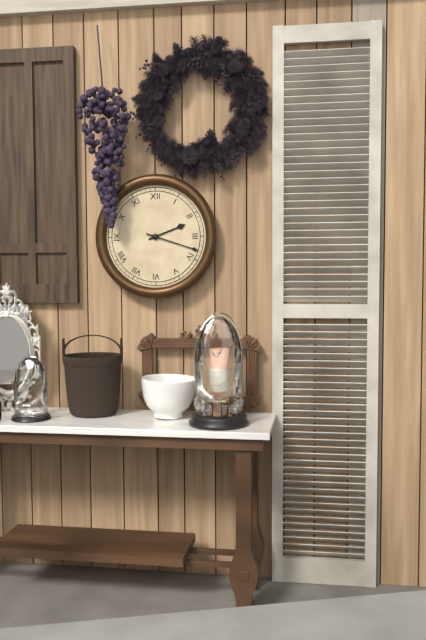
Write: 2:18
